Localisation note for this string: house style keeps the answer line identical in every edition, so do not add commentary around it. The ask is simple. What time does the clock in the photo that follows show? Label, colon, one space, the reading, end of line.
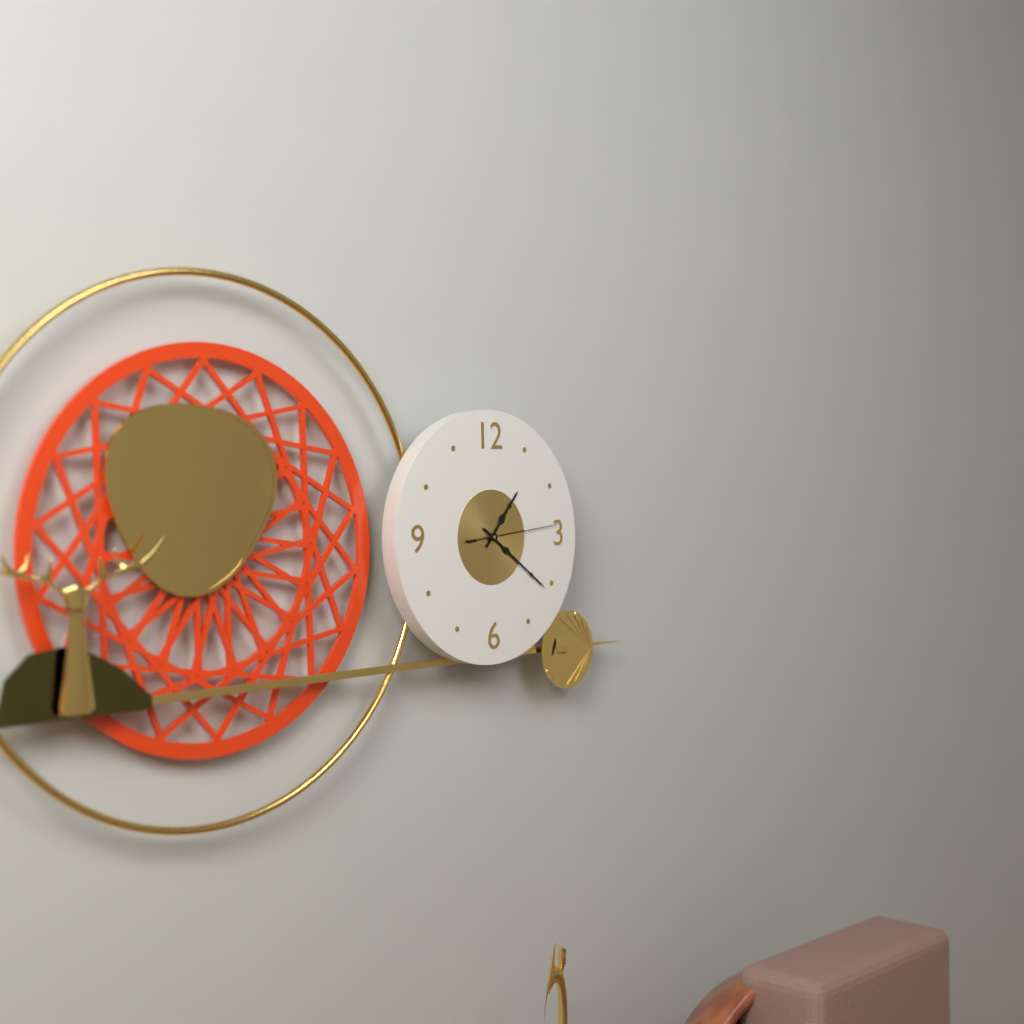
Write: 1:21:14
